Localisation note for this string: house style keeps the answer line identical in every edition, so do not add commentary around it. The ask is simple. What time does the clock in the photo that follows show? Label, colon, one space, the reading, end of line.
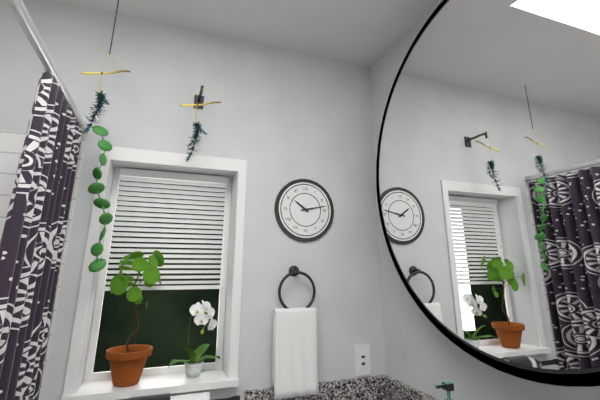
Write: 10:13
